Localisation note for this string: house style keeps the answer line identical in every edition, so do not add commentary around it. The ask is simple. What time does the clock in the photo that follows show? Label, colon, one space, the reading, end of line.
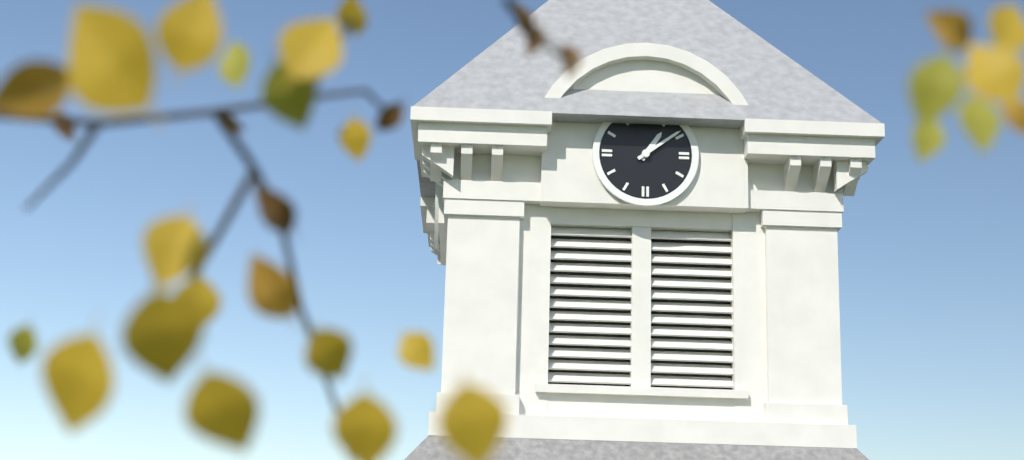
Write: 1:09
